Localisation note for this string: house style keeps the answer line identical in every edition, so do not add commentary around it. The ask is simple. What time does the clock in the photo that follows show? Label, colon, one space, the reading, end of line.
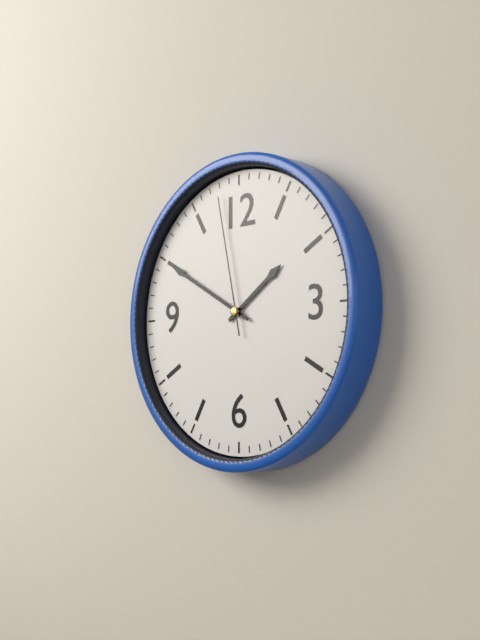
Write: 1:50:58
